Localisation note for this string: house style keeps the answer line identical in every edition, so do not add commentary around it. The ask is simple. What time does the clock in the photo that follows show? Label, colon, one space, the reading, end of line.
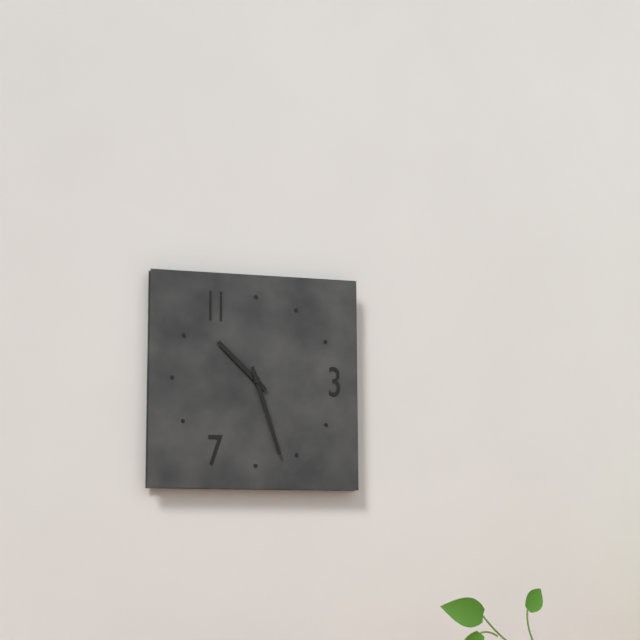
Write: 10:27
